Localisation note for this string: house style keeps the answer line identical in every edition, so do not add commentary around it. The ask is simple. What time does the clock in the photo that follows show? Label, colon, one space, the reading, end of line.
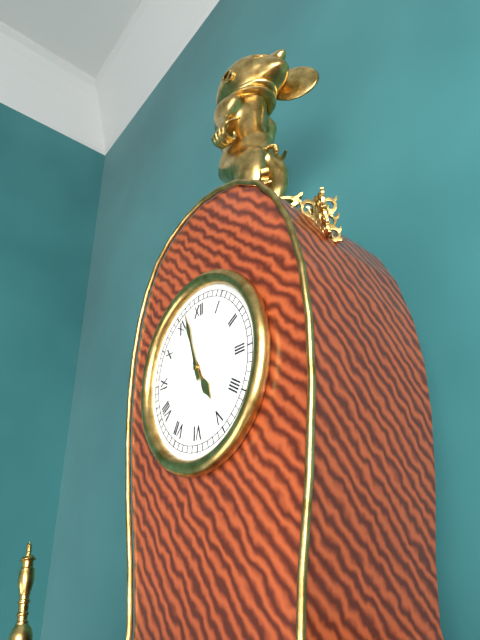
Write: 4:57
